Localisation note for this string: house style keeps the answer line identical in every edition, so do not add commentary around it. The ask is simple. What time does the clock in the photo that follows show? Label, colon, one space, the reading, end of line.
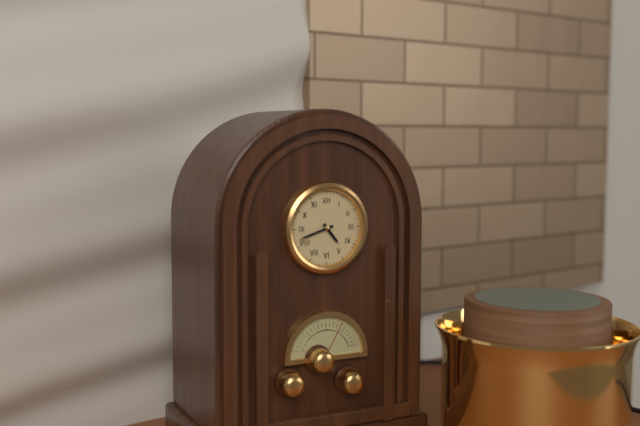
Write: 4:42
